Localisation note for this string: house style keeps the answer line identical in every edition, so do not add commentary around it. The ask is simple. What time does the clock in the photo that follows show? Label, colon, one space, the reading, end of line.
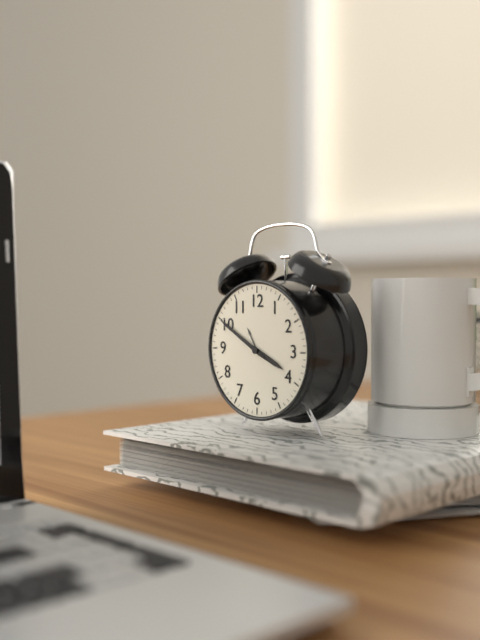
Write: 3:50
